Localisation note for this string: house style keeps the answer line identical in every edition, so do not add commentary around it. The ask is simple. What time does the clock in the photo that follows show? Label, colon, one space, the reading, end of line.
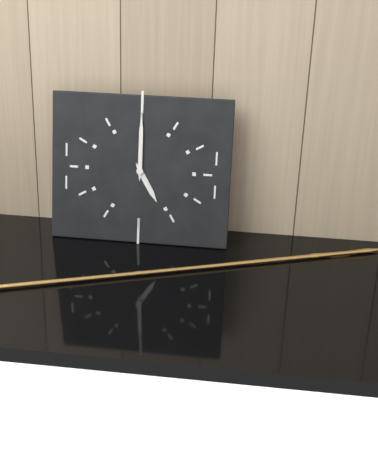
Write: 5:00
